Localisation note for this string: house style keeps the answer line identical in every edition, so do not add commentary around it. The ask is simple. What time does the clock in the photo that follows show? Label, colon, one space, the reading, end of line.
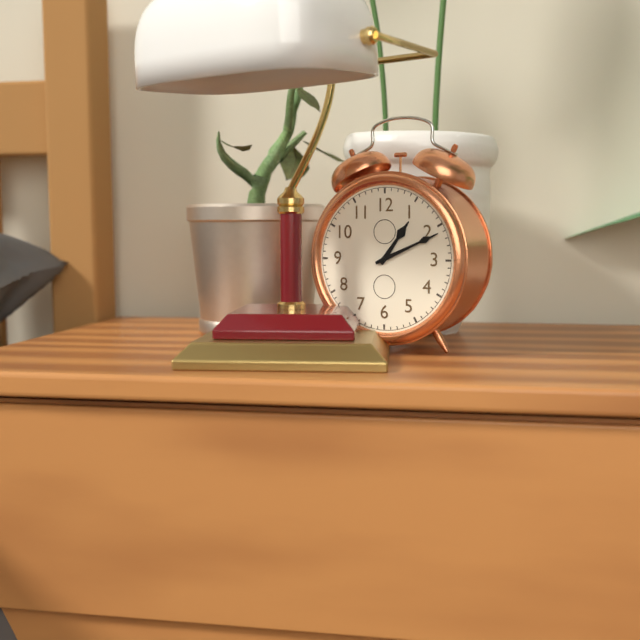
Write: 1:11
